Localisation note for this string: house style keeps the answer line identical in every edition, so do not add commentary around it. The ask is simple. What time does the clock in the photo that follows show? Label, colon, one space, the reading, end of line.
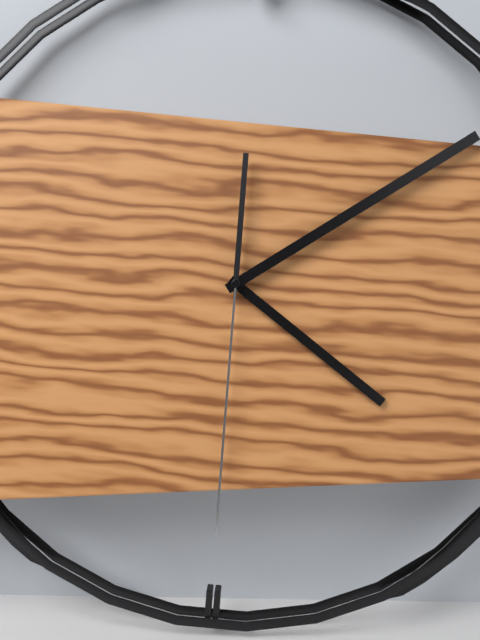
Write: 4:09:30
